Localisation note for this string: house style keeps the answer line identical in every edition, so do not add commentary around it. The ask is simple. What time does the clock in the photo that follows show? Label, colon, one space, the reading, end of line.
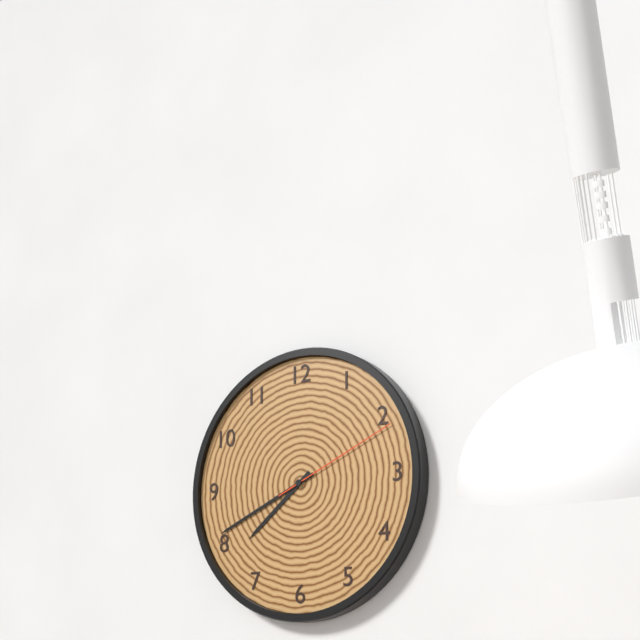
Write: 7:41:11
